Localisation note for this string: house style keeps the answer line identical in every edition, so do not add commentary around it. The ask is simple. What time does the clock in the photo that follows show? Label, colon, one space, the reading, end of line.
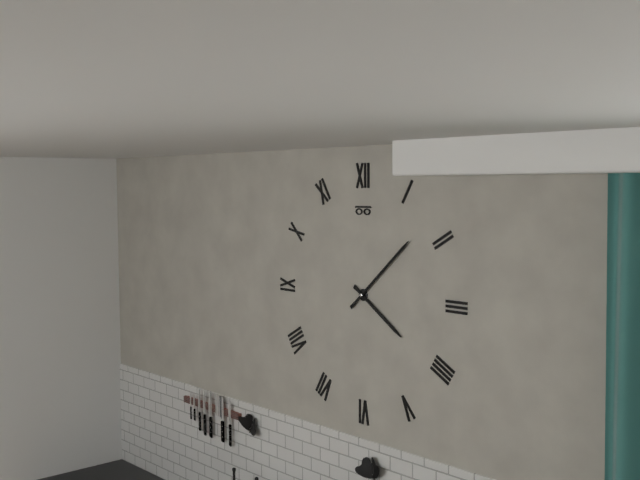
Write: 4:08
